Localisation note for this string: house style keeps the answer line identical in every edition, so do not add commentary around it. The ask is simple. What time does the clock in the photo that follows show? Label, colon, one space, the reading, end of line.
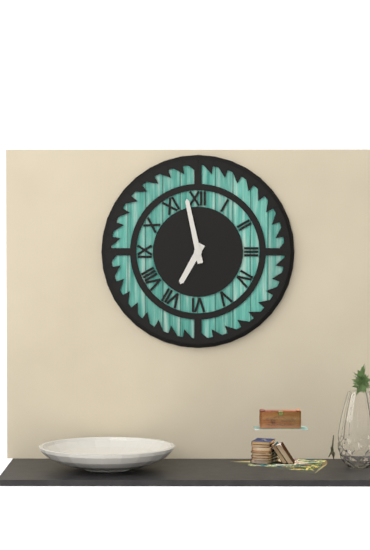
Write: 6:58
